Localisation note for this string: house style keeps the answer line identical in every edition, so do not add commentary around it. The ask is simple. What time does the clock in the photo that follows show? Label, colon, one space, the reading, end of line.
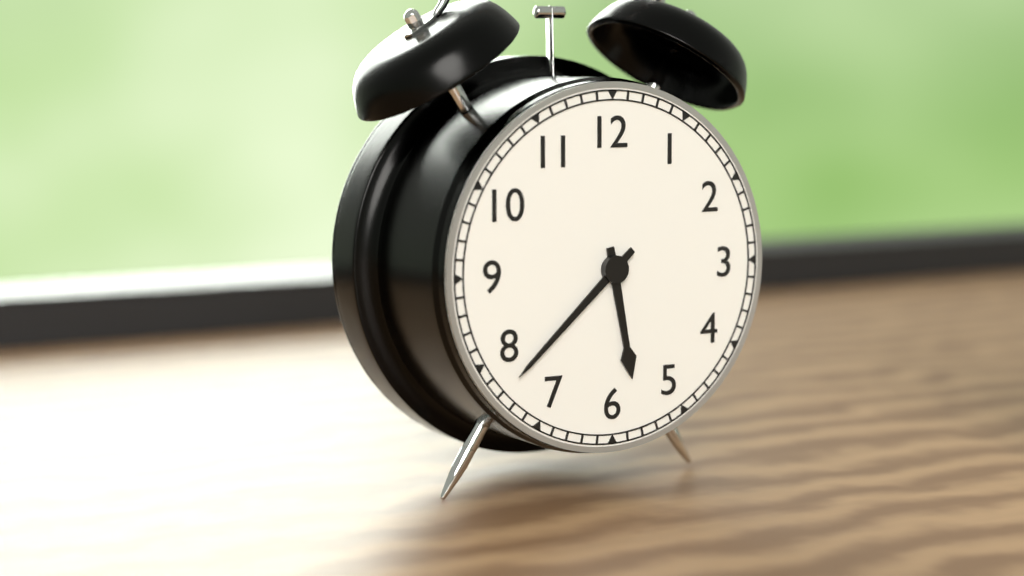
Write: 5:38
